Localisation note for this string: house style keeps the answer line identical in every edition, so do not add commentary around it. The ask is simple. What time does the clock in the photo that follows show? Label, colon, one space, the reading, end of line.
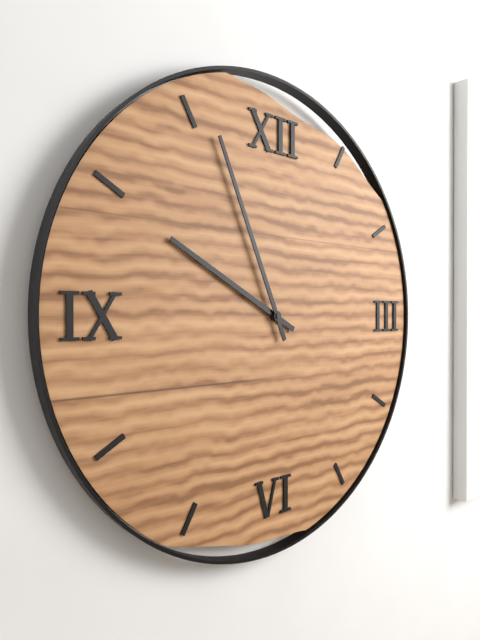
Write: 9:56
